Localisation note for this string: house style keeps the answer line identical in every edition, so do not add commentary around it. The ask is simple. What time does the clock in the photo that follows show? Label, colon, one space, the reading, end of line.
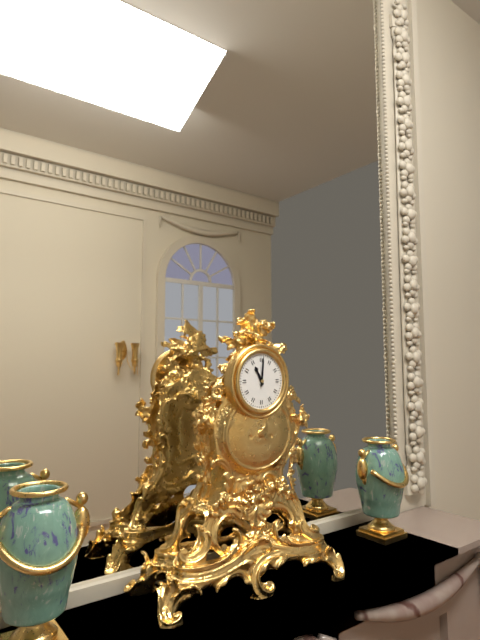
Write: 11:01
